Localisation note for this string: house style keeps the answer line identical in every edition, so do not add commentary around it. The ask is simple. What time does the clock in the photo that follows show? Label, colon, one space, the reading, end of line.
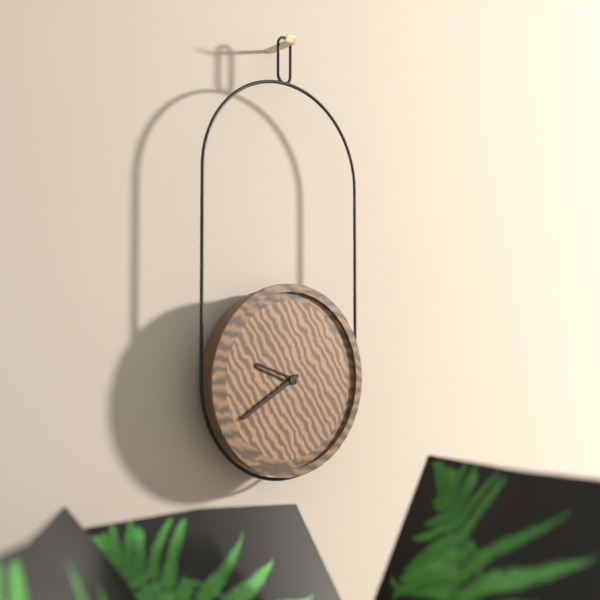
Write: 9:40
